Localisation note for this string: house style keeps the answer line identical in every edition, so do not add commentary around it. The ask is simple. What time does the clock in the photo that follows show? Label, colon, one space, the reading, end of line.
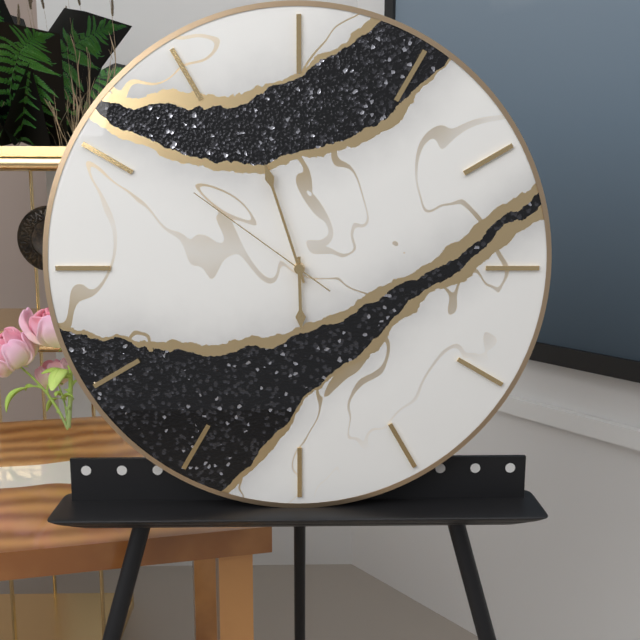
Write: 5:57:51
